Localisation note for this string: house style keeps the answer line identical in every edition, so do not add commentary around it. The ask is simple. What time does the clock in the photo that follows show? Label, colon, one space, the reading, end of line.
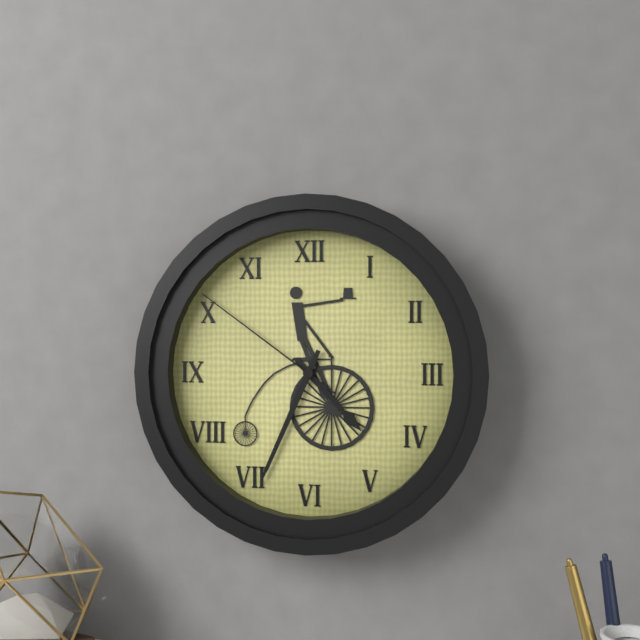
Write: 4:34:51
